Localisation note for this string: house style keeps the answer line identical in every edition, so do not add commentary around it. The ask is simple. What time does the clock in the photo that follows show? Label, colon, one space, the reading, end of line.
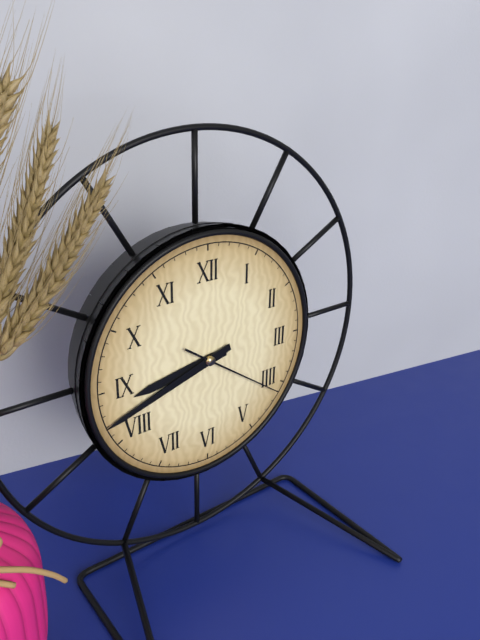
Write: 8:42:21
